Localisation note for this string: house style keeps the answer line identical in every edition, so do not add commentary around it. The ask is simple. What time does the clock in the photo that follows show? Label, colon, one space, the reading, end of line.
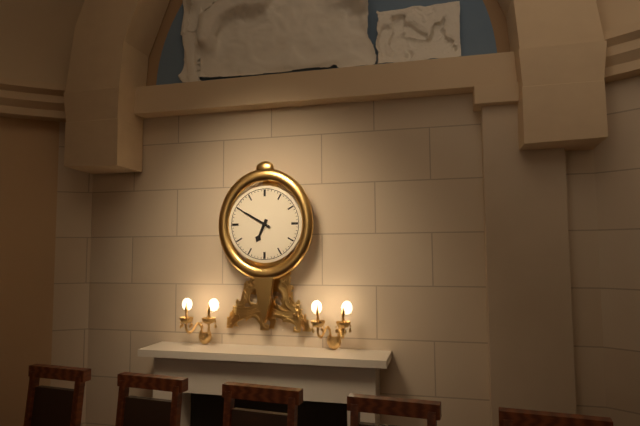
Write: 6:50
